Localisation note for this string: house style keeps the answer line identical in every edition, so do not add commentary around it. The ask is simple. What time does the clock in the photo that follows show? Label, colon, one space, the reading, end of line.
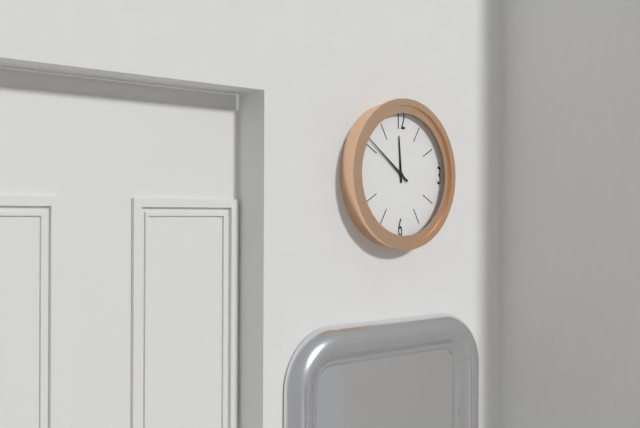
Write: 11:51
